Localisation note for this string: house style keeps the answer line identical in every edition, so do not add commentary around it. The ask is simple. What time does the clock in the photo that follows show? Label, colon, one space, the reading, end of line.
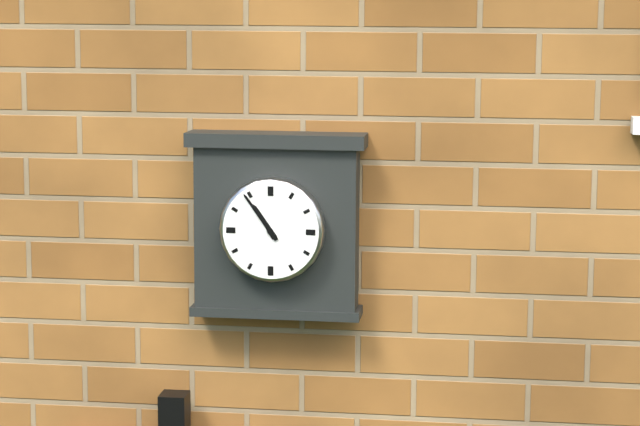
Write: 10:54
